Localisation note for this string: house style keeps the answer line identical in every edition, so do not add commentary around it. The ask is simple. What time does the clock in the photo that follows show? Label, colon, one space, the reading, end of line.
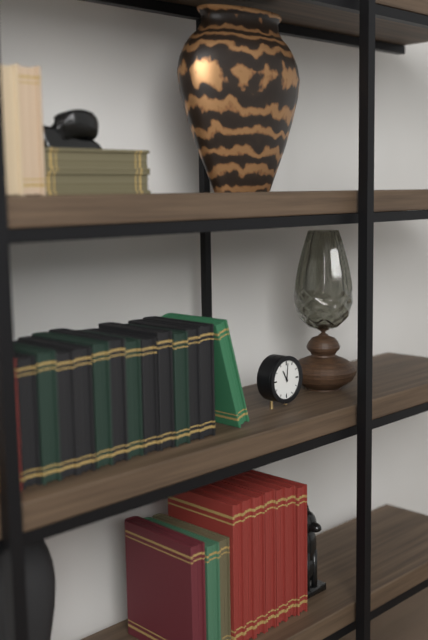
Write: 11:01
